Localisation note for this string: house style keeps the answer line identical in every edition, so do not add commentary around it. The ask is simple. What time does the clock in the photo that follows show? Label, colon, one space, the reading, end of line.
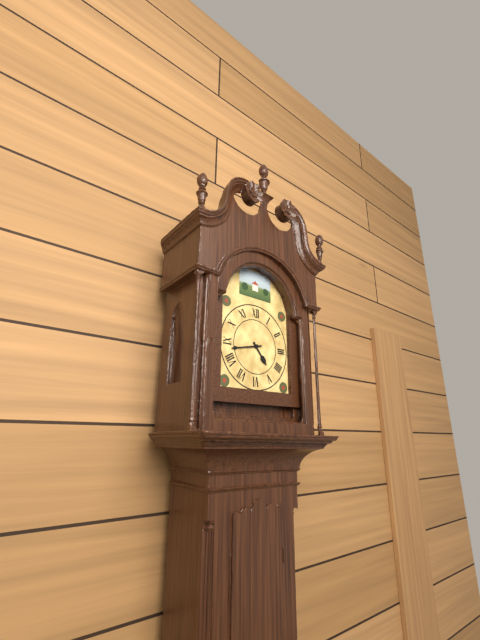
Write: 4:43
